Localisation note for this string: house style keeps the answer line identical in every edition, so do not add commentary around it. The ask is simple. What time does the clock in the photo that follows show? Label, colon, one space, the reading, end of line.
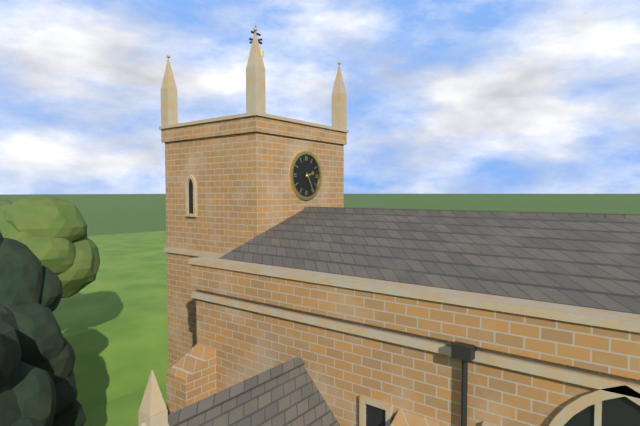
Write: 2:25
